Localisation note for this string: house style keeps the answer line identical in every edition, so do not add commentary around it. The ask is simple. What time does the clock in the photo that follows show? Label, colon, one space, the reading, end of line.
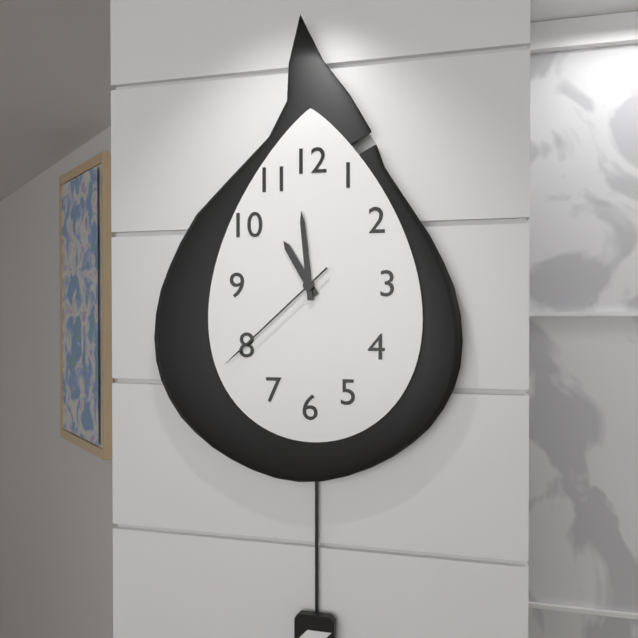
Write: 10:59:38
